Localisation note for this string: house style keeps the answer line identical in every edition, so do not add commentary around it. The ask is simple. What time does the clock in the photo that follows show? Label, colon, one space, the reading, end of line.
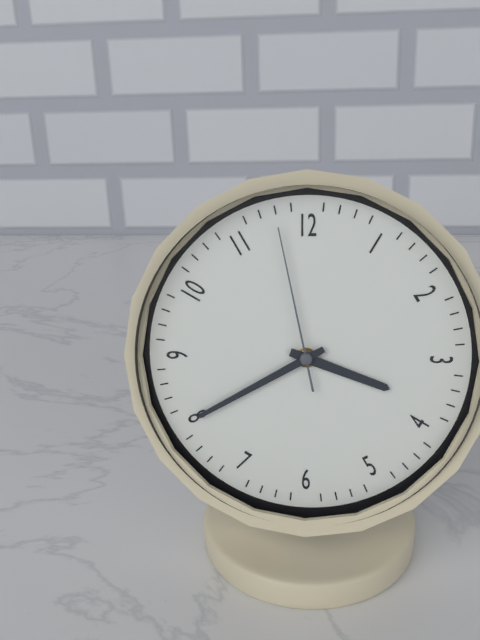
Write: 3:40:58
